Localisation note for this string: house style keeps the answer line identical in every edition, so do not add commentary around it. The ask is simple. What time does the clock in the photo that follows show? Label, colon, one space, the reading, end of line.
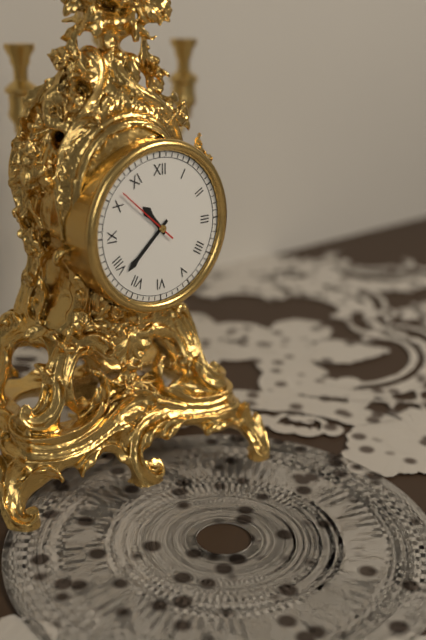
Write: 10:38:52
